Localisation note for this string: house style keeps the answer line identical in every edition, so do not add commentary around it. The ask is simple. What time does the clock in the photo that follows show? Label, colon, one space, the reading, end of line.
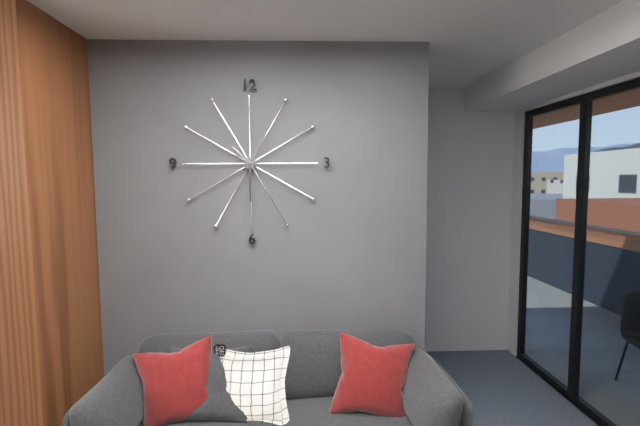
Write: 10:30
